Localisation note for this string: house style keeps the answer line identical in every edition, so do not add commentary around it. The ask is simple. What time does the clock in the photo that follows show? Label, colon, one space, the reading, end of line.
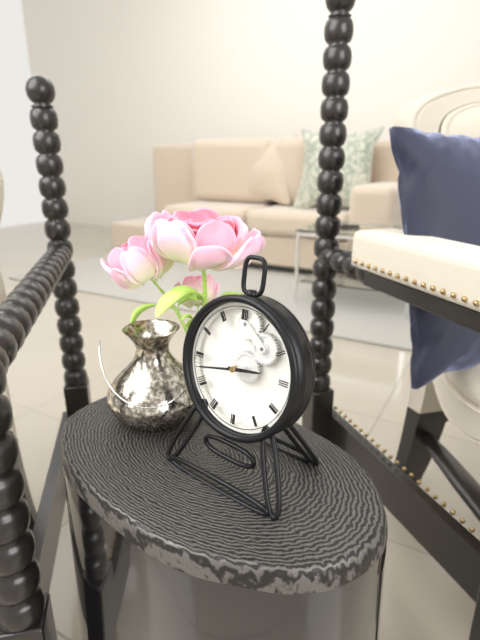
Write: 2:43
